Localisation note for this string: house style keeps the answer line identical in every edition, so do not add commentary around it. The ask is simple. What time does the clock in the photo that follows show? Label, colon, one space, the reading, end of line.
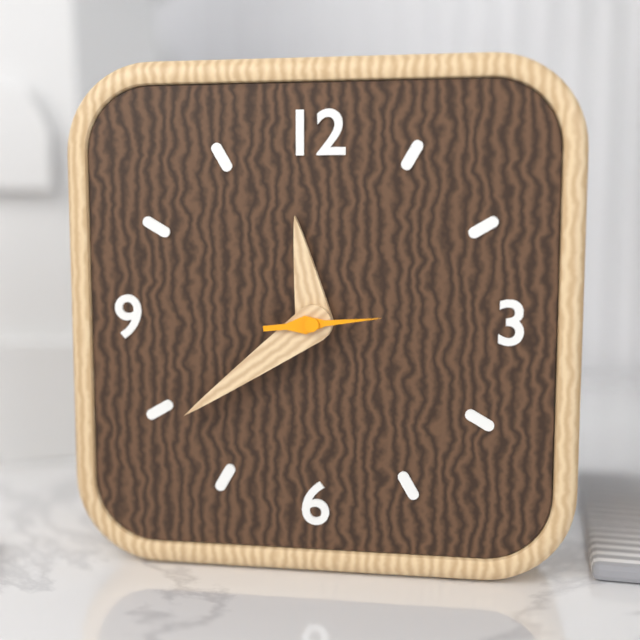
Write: 11:39:14
